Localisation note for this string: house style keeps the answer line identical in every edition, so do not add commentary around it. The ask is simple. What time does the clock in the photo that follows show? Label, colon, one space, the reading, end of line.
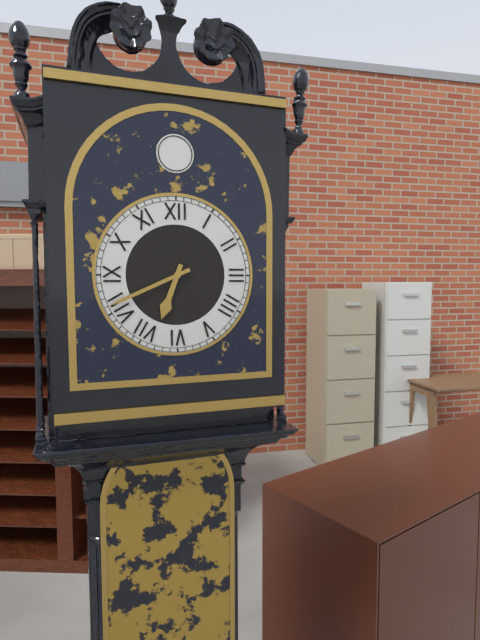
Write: 6:41
